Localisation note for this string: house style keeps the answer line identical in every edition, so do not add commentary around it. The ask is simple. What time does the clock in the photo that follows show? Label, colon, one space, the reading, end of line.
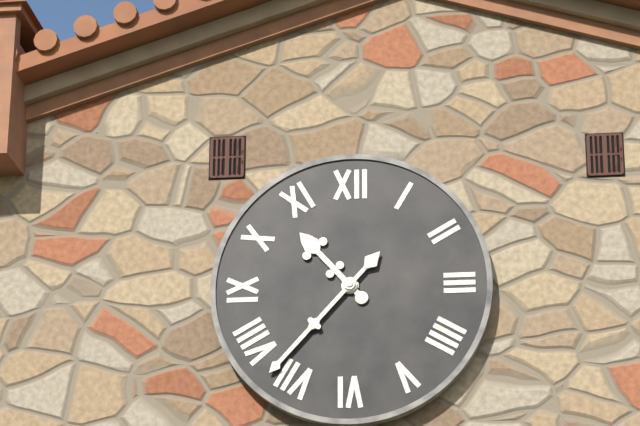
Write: 10:37
